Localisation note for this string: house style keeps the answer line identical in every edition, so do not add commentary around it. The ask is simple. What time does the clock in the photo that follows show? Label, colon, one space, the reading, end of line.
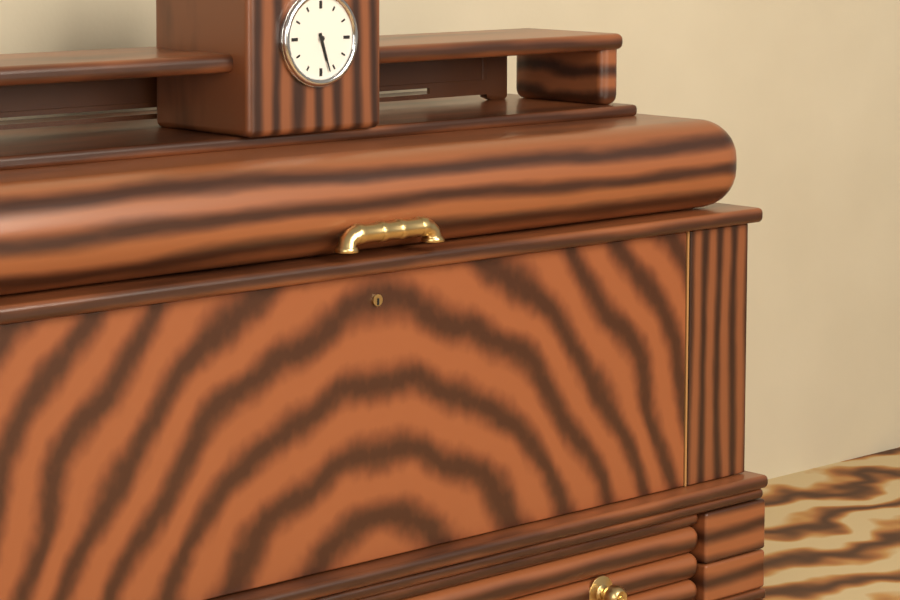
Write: 5:27
